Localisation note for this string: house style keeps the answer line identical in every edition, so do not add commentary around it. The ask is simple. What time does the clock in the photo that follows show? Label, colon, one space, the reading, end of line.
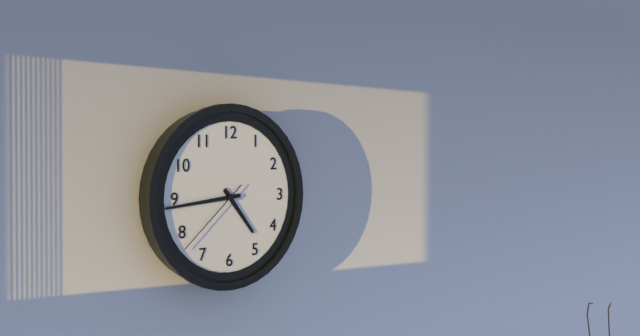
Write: 4:44:38
